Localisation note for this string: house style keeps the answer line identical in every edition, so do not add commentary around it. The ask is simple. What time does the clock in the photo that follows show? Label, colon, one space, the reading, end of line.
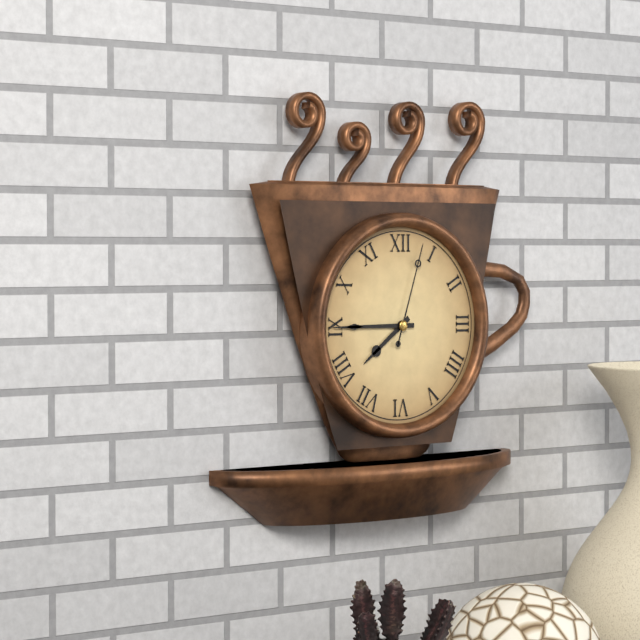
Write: 7:45:03
